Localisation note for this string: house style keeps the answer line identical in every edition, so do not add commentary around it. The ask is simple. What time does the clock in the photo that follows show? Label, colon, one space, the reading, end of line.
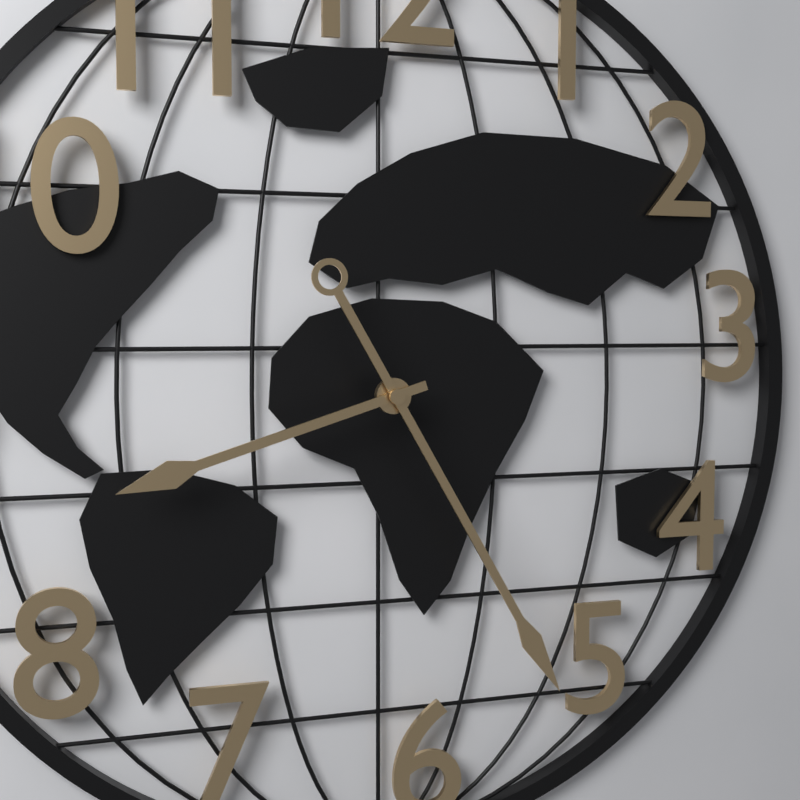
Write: 8:25
